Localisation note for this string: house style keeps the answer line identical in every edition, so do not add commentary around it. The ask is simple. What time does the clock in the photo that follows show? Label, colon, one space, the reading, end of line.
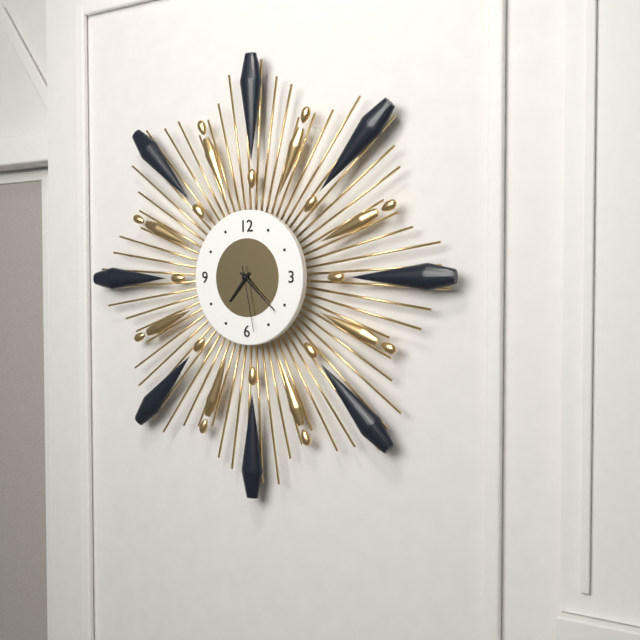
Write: 7:22:28
